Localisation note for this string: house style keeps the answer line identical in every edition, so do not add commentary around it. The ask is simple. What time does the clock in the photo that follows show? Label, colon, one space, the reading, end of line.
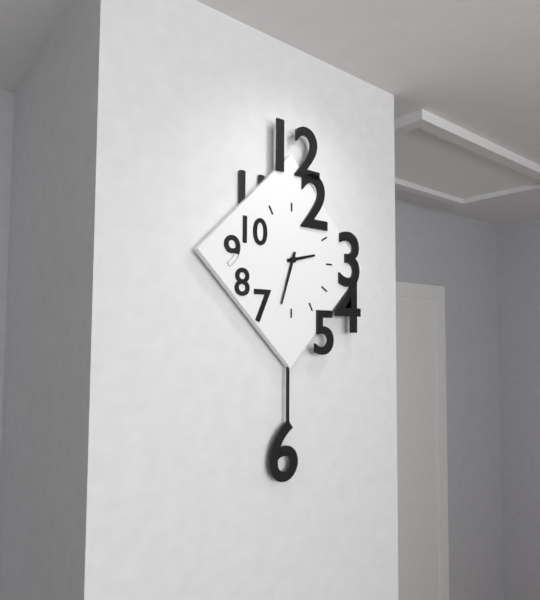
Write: 2:33
